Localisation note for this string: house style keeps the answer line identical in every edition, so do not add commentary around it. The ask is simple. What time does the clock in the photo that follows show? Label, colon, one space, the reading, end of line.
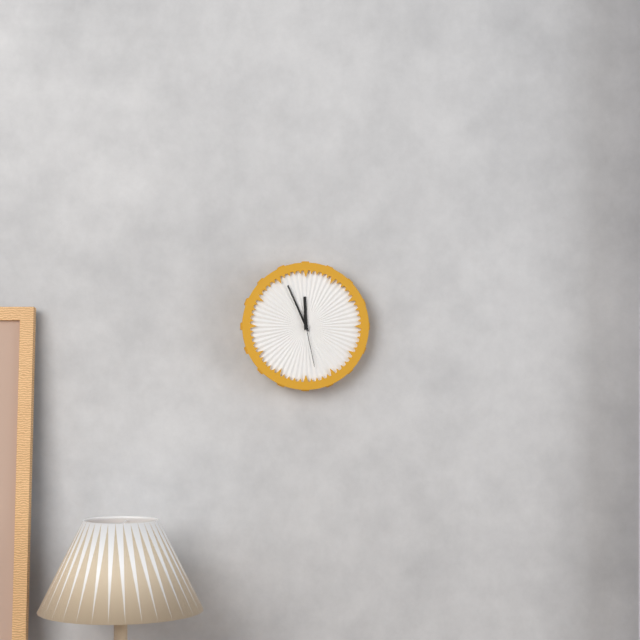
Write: 11:56:28
